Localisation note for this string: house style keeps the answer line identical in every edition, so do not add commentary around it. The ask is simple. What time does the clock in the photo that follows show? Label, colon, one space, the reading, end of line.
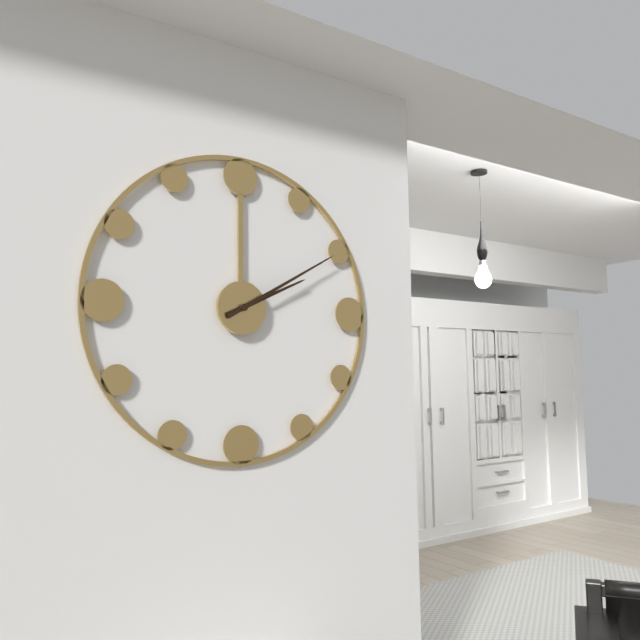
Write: 2:10
